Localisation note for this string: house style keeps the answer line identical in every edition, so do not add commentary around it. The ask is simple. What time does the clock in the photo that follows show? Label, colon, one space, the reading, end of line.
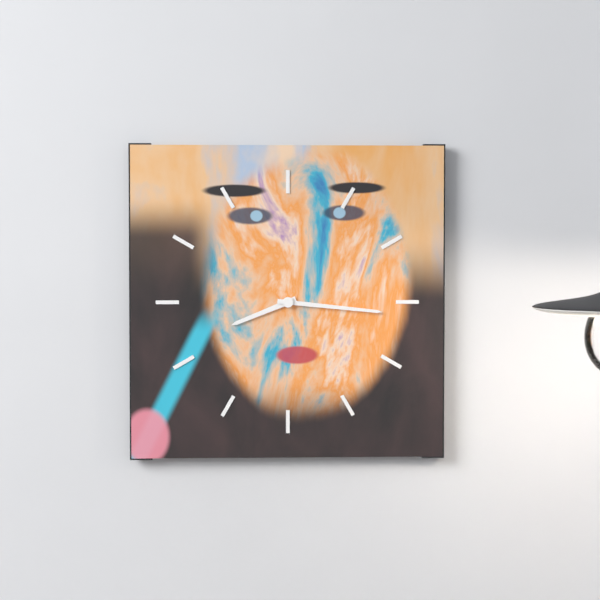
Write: 8:16
